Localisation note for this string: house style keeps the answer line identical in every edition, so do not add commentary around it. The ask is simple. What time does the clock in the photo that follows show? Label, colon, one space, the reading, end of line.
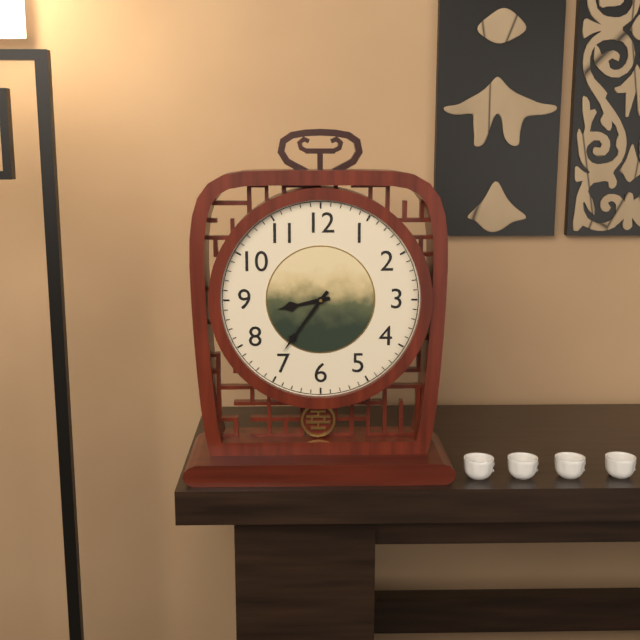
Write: 8:36
